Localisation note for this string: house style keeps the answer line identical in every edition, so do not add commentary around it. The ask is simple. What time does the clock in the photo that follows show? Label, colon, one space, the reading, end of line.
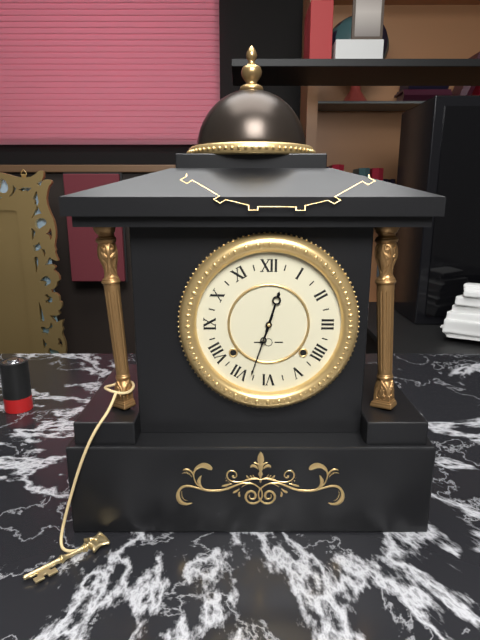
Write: 12:33
